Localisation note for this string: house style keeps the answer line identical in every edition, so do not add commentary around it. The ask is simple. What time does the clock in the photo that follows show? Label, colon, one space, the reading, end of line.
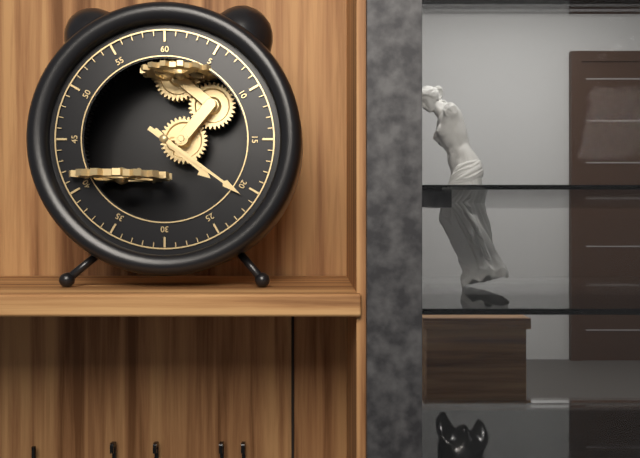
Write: 4:21
